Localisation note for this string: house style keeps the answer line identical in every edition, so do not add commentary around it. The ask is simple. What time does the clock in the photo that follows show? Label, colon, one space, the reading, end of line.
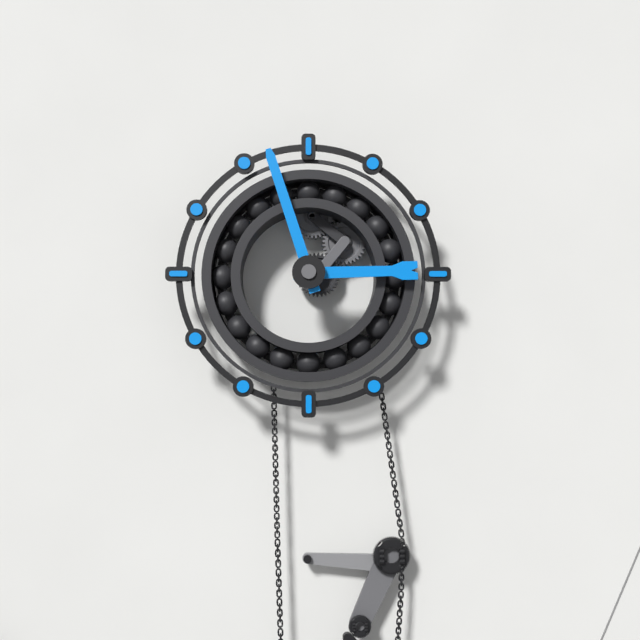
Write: 2:57
